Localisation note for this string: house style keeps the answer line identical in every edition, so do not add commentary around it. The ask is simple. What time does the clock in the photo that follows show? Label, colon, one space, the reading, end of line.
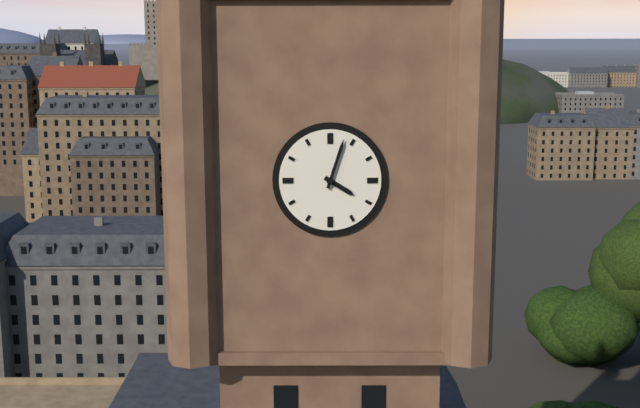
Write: 4:03
